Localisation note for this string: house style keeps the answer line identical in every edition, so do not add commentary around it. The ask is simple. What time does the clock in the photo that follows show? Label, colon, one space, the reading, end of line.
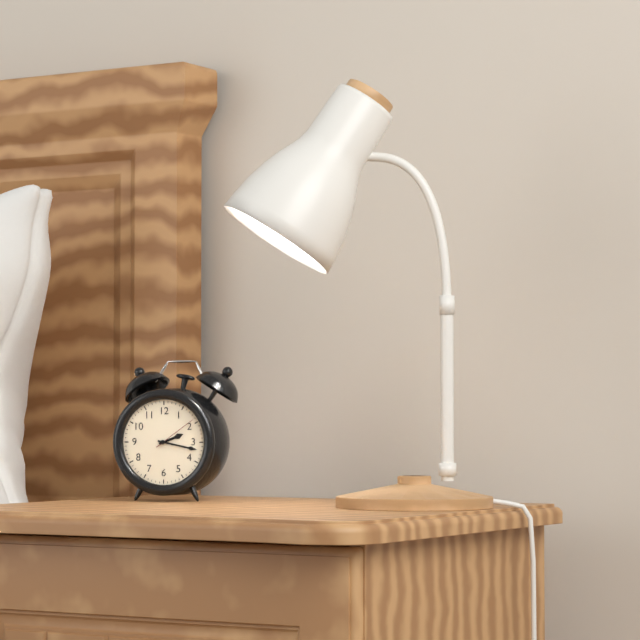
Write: 2:17
